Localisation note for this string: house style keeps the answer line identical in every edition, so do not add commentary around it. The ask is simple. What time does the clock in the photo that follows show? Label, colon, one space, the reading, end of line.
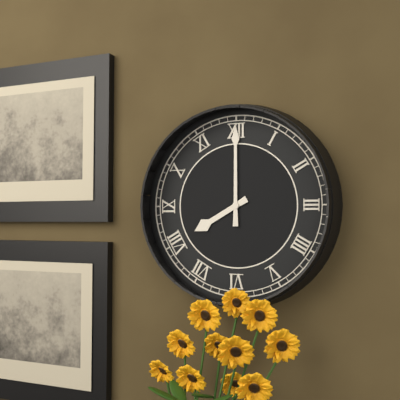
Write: 8:00
